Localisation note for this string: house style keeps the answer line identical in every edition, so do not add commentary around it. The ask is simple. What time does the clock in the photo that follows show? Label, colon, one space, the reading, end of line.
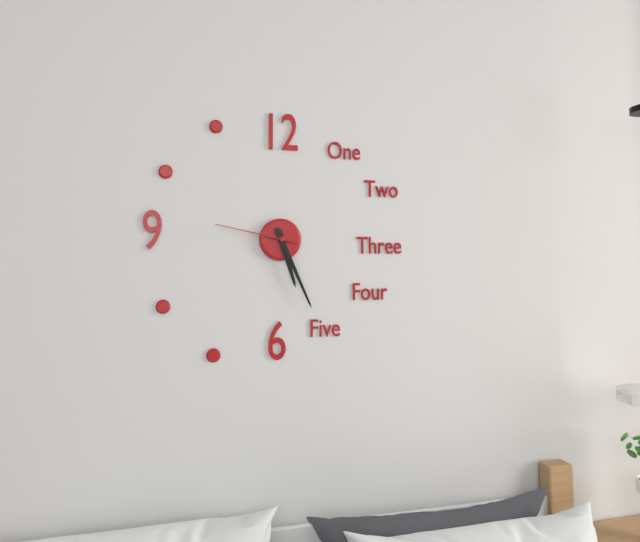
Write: 5:26:47
